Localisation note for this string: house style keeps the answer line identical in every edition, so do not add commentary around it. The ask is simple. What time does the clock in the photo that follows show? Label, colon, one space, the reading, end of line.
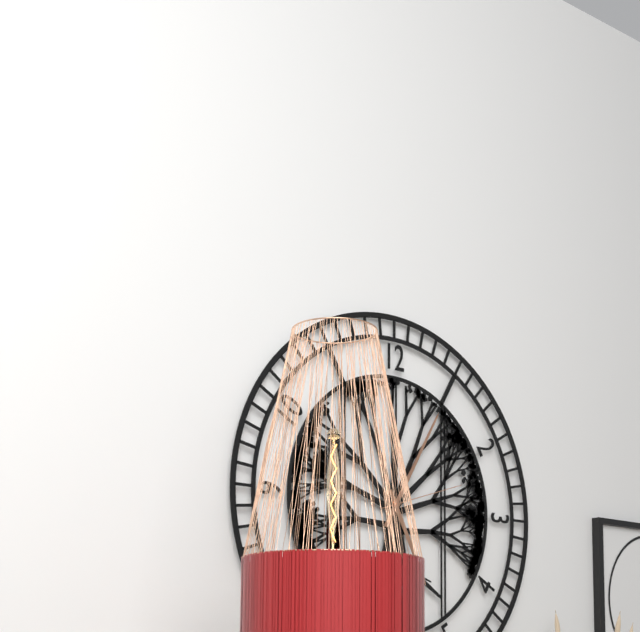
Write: 5:05:12
